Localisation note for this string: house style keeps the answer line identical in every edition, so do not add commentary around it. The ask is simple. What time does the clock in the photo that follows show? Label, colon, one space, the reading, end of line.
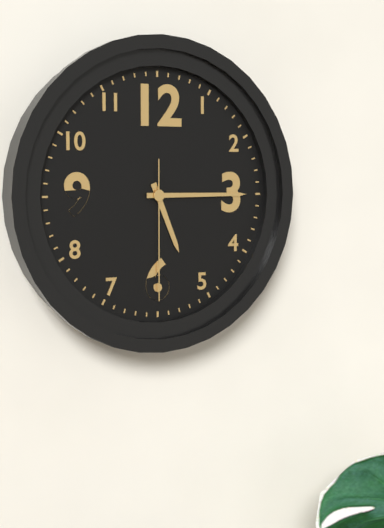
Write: 5:15:30
